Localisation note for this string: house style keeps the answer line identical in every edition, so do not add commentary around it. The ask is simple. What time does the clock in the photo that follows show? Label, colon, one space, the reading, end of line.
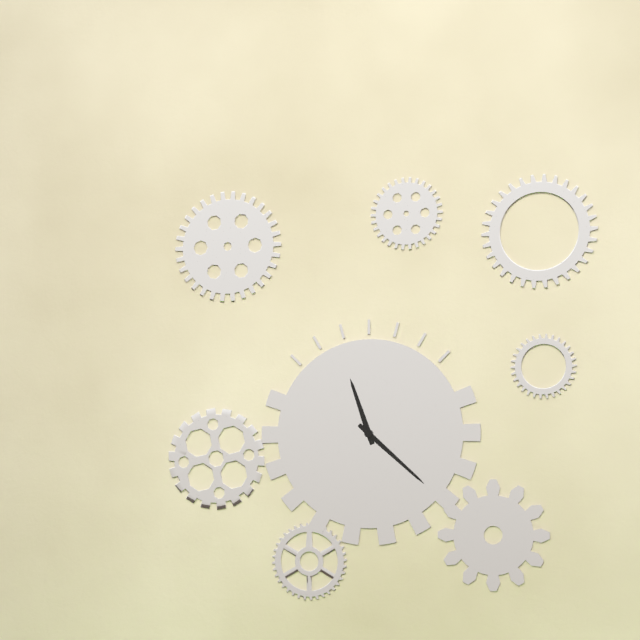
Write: 11:22
